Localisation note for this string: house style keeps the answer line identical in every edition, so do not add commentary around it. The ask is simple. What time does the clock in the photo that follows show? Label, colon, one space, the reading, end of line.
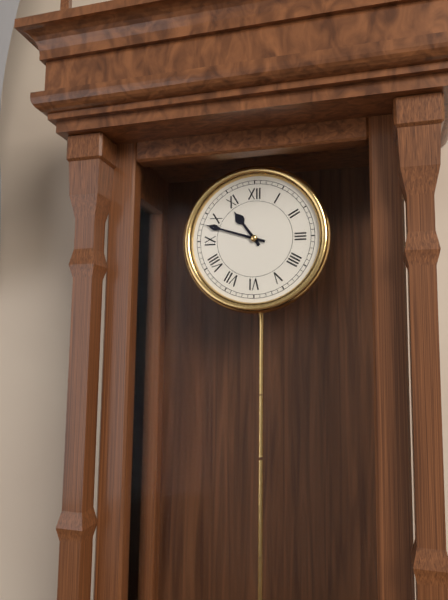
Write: 10:48
